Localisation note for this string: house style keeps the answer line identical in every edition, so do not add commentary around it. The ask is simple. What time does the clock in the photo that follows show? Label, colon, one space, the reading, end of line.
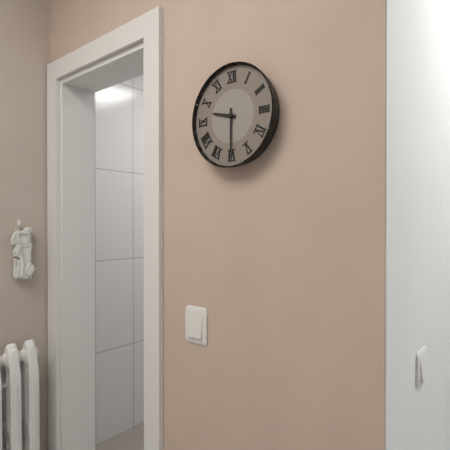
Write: 9:30
